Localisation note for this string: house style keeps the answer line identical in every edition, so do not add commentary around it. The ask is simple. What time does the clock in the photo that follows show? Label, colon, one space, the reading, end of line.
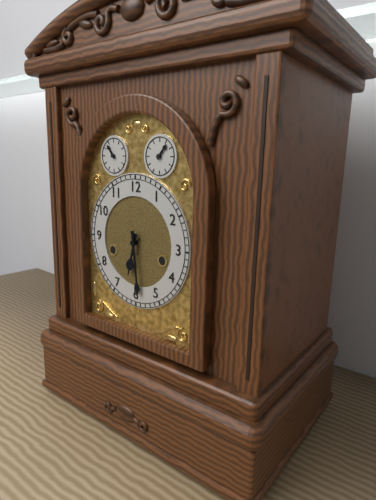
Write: 6:29
